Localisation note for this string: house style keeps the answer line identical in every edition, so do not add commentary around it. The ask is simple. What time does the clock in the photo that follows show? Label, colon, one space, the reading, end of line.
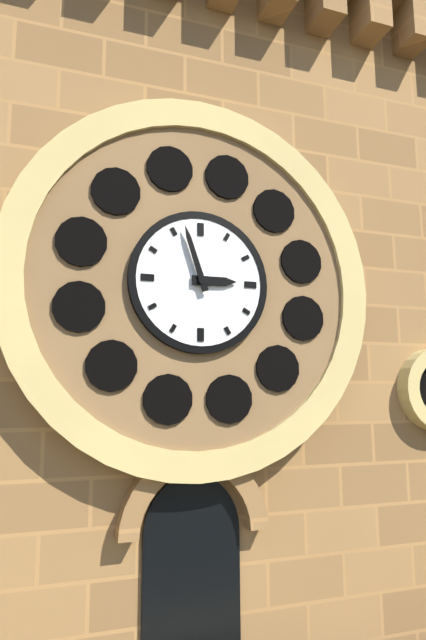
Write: 2:57
